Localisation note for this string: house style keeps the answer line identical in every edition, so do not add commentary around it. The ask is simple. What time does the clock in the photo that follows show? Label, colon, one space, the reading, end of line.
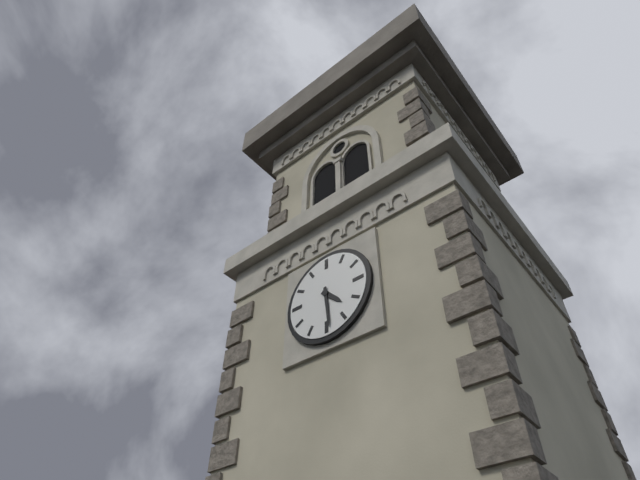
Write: 4:29
